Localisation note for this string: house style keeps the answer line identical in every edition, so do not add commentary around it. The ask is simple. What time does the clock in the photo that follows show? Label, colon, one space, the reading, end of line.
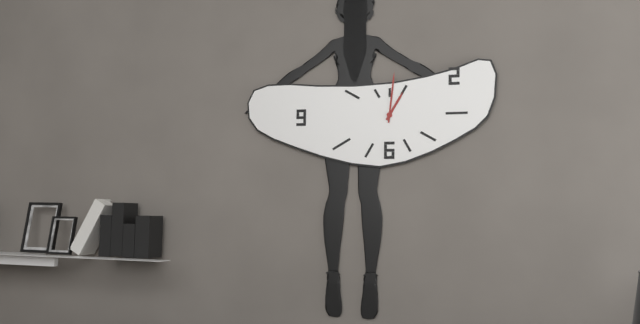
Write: 1:01
